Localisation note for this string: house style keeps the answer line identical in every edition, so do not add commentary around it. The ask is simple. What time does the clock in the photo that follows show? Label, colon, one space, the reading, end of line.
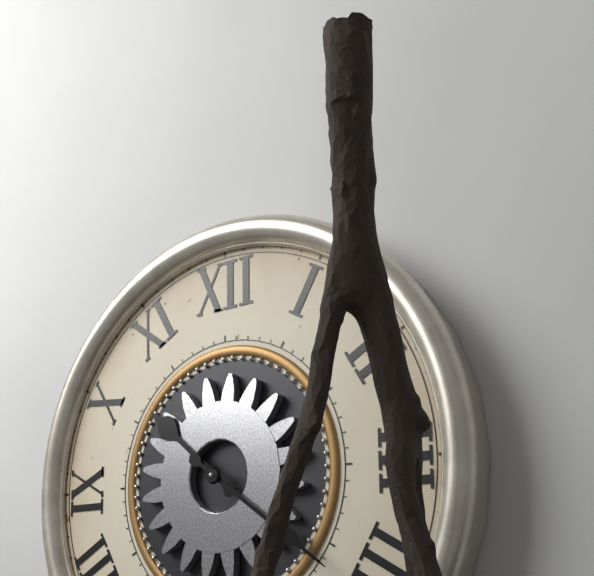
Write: 10:21
